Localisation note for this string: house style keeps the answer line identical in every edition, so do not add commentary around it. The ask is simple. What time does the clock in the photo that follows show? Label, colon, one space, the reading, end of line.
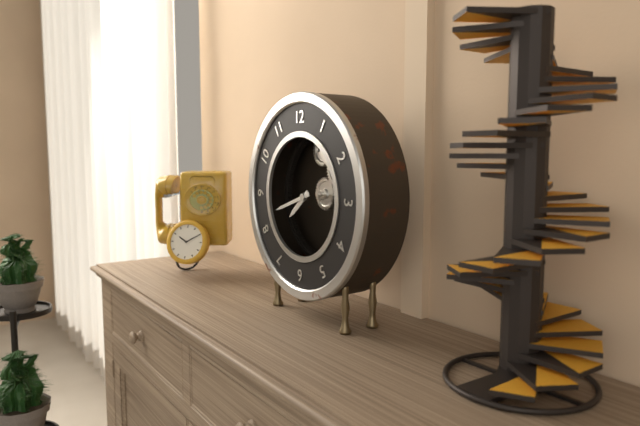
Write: 7:42
